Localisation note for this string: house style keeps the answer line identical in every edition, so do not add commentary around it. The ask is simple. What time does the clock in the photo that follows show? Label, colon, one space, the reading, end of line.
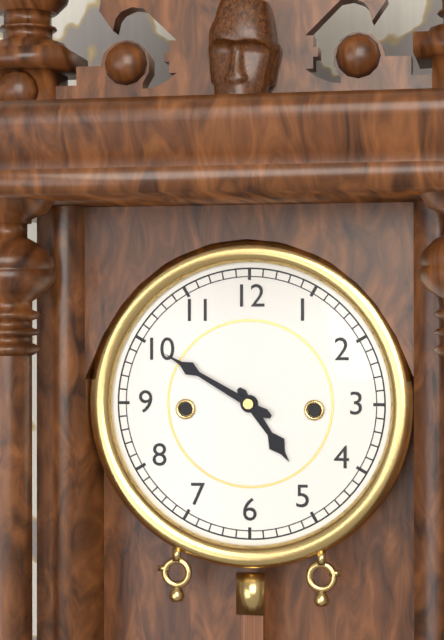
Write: 4:50
